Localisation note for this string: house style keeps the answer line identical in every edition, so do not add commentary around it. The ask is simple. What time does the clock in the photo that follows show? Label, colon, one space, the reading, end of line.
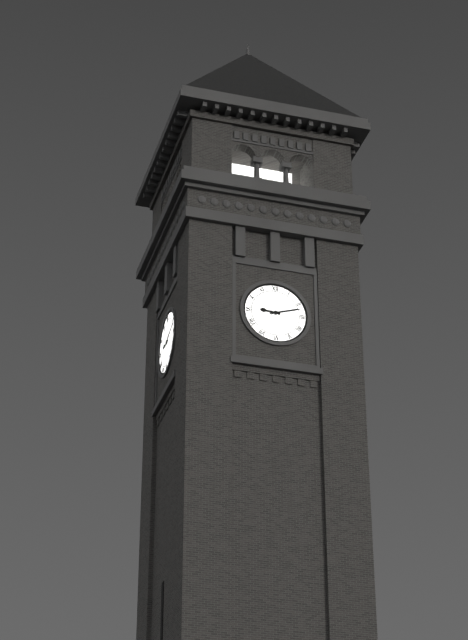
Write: 9:12
